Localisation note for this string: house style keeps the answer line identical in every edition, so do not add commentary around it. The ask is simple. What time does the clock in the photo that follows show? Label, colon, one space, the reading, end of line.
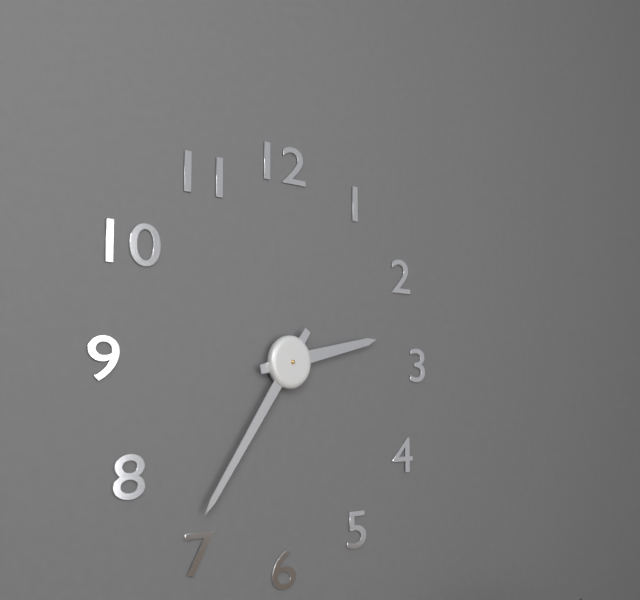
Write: 2:36
